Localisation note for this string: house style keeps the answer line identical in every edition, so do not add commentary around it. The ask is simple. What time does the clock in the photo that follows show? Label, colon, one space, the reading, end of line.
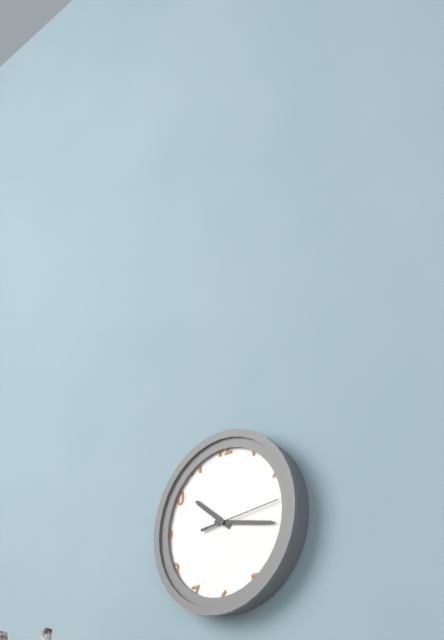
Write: 10:17:14
